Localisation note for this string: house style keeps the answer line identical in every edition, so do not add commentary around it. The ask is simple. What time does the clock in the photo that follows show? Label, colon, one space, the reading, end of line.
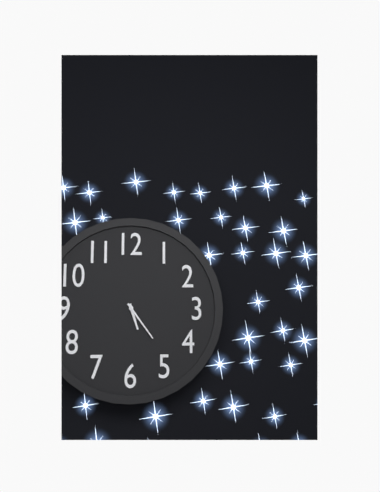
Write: 5:24
